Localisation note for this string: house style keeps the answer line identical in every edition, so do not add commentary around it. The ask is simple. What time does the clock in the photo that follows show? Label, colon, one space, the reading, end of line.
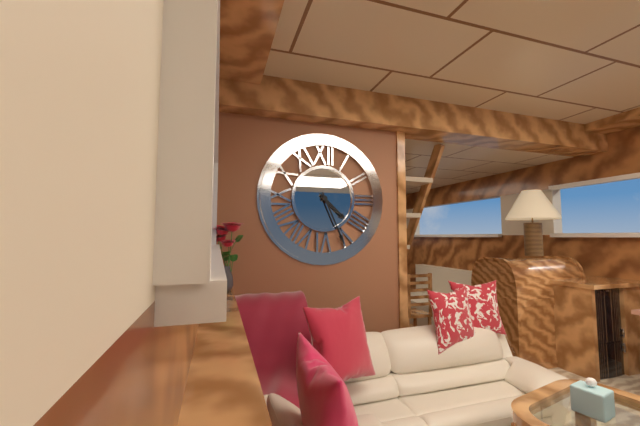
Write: 4:26
